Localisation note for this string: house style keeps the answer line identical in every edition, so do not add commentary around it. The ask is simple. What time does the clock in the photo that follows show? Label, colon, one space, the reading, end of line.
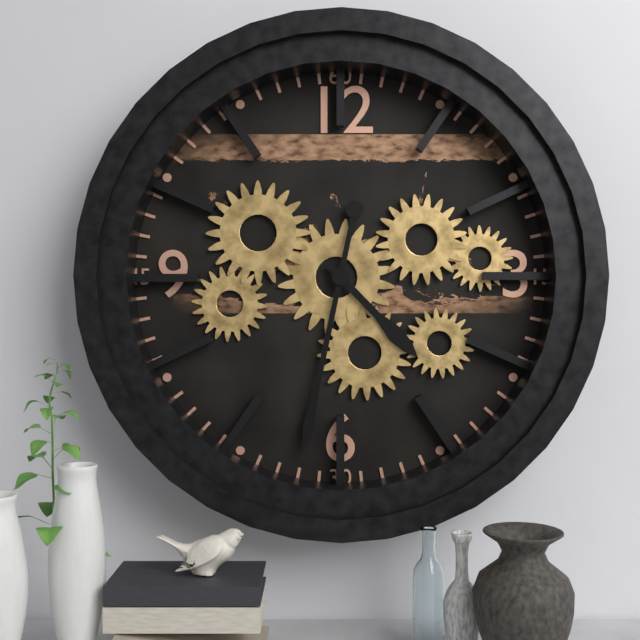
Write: 4:32
